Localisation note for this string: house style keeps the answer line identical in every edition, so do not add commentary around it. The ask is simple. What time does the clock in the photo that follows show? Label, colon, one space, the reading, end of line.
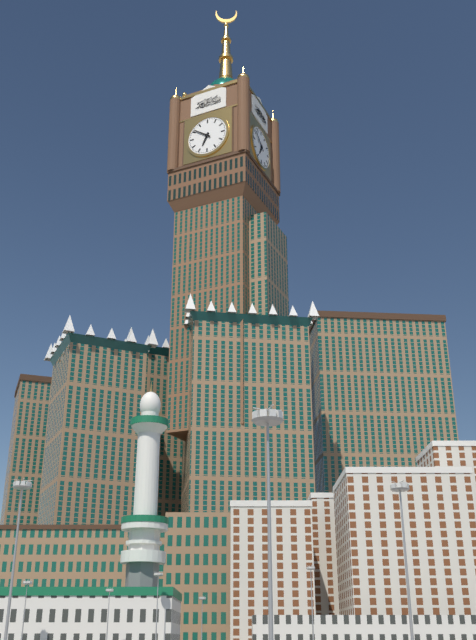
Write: 6:51
